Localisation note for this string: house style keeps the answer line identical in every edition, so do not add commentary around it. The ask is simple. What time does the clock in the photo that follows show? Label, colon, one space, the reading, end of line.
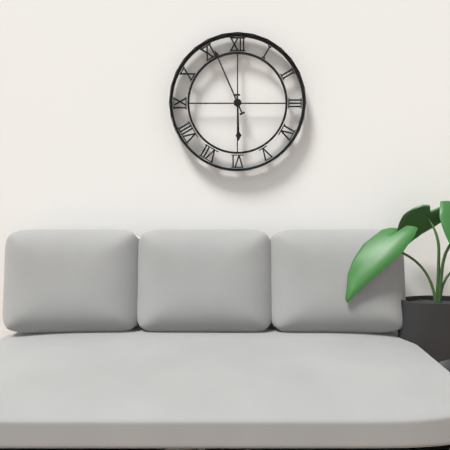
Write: 5:56
